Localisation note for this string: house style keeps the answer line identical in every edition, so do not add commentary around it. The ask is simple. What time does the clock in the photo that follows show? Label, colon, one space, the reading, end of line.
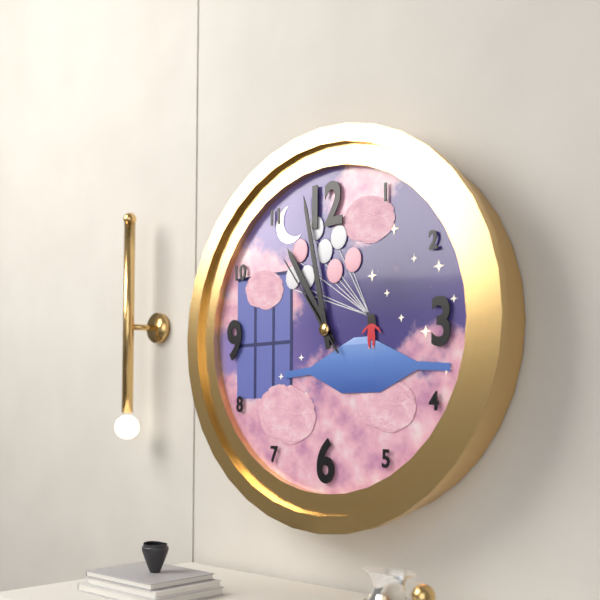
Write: 10:58:54
